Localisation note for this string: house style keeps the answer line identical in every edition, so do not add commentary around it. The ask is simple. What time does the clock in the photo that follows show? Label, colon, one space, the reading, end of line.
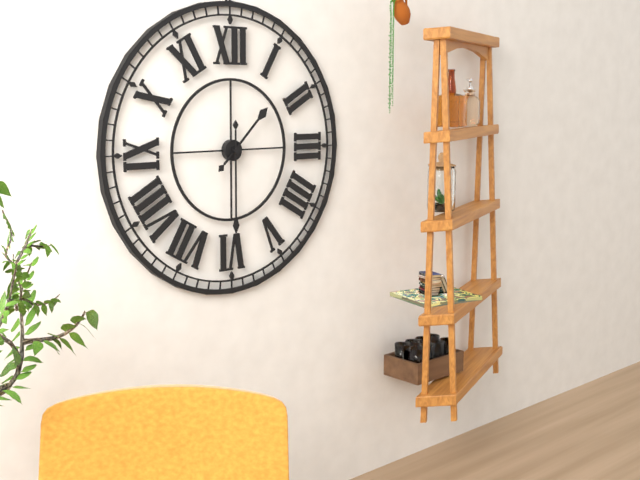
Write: 1:30
